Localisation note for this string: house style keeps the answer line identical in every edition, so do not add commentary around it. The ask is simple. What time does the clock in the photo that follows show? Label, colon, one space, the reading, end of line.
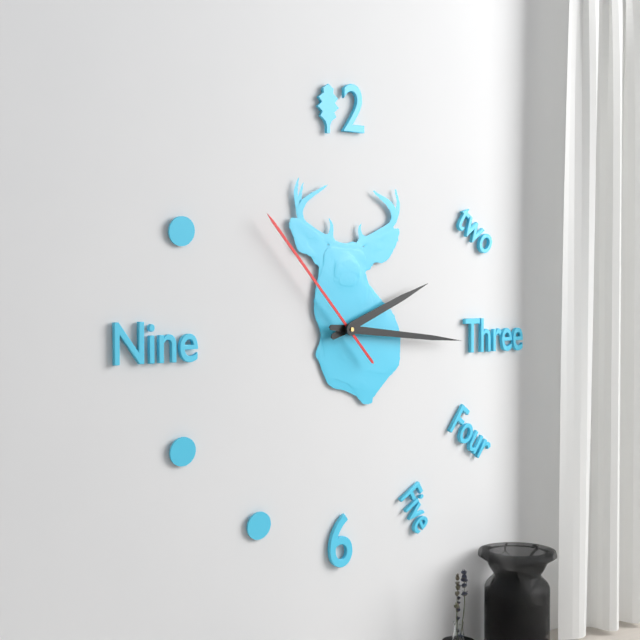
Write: 2:16:53
